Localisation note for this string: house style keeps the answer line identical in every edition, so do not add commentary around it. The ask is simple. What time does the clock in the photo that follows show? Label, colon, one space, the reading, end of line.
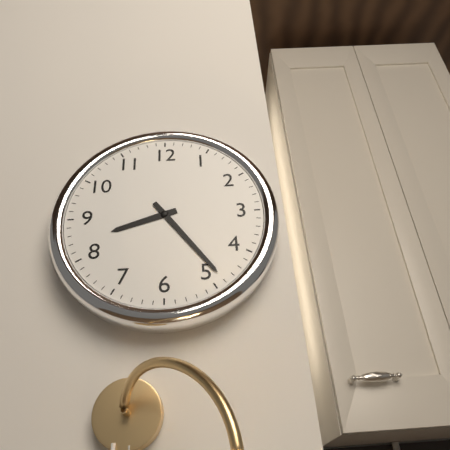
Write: 8:24
